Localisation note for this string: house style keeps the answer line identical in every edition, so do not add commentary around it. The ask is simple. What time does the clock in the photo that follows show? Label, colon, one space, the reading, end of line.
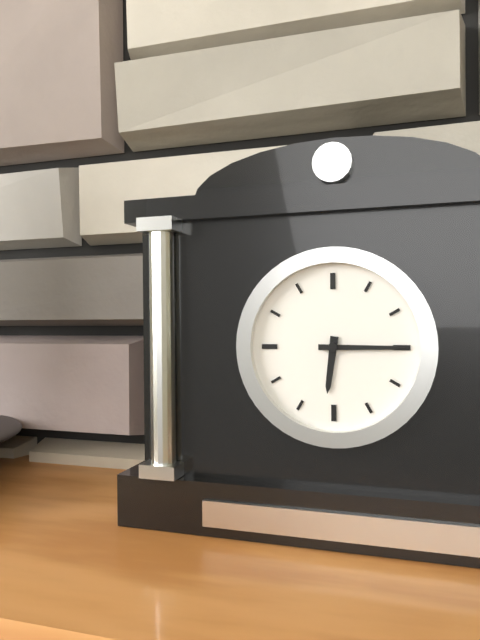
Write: 6:15
